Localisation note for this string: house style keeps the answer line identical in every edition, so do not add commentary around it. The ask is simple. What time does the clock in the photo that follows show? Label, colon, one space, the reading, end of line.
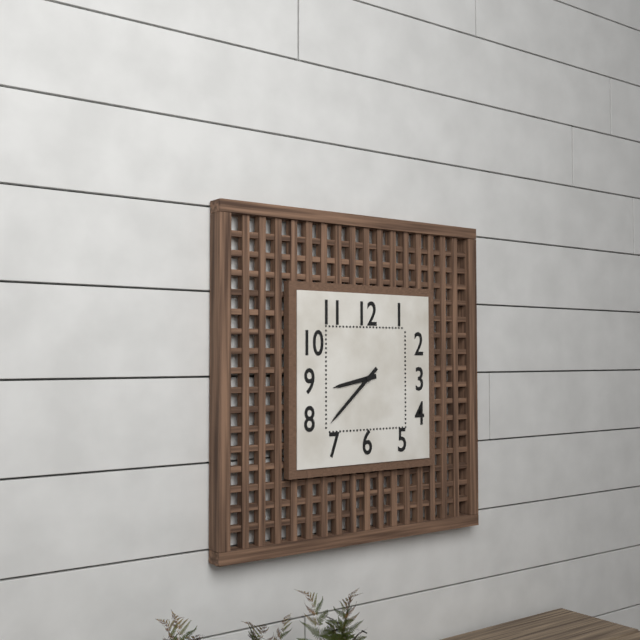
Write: 8:38
